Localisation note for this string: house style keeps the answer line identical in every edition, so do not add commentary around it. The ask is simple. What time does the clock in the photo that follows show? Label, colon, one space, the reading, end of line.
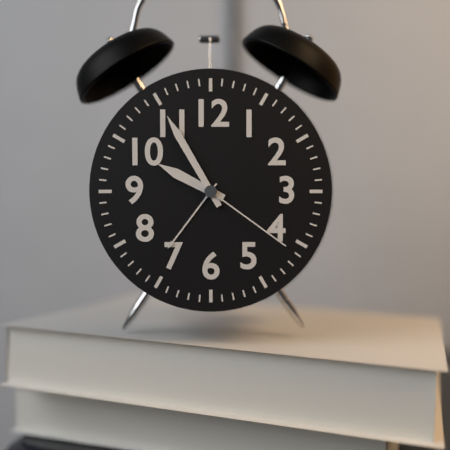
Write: 9:55:21
